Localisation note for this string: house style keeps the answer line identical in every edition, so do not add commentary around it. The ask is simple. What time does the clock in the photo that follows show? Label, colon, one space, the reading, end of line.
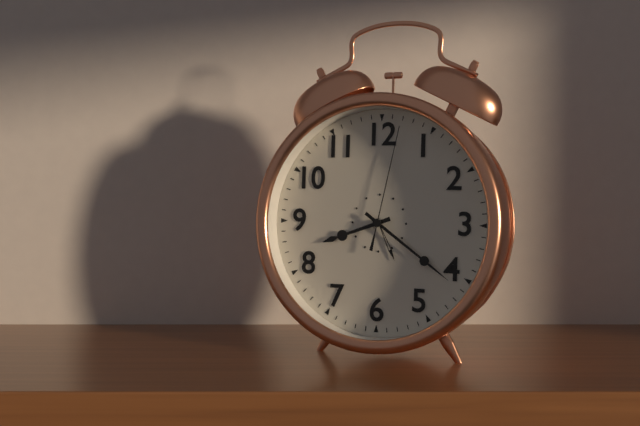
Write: 8:21:02
